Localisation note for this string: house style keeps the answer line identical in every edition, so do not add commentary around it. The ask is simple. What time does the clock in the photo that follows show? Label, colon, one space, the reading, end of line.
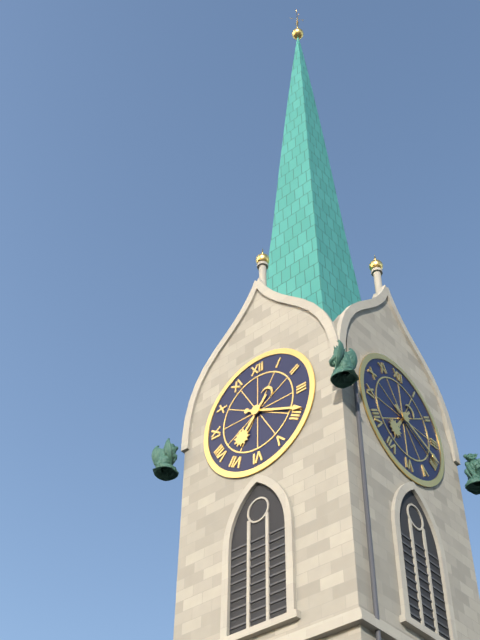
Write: 7:19
